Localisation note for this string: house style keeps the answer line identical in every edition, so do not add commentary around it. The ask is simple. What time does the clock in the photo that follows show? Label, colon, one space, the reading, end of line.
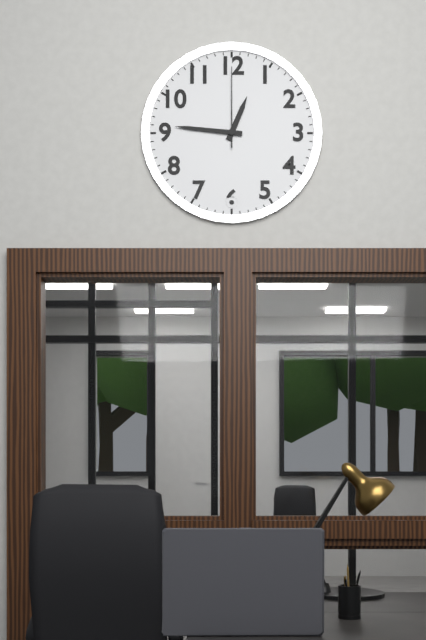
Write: 12:46:00
